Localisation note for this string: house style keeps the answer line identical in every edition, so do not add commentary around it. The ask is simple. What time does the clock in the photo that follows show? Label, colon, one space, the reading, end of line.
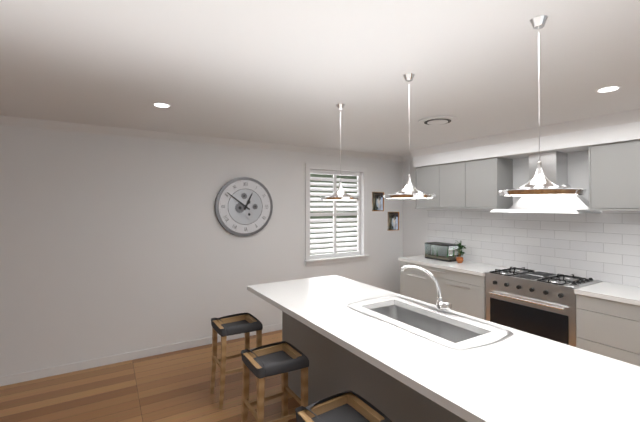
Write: 12:51
